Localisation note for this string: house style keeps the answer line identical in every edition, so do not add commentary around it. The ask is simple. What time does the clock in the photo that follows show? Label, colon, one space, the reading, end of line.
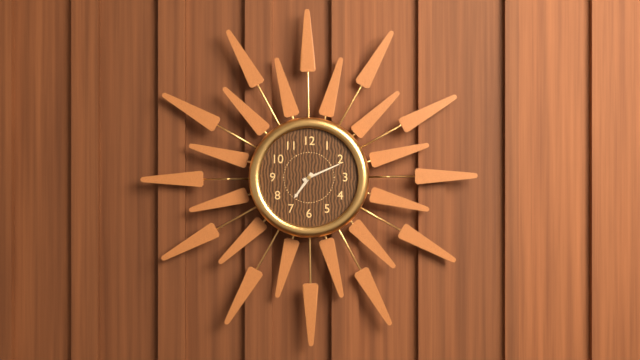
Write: 7:11
